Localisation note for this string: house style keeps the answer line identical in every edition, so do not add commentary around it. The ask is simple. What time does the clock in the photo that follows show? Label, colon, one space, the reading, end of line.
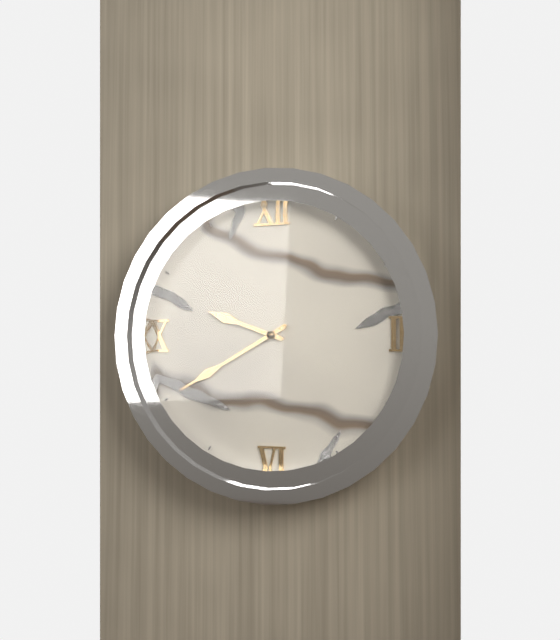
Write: 9:40
